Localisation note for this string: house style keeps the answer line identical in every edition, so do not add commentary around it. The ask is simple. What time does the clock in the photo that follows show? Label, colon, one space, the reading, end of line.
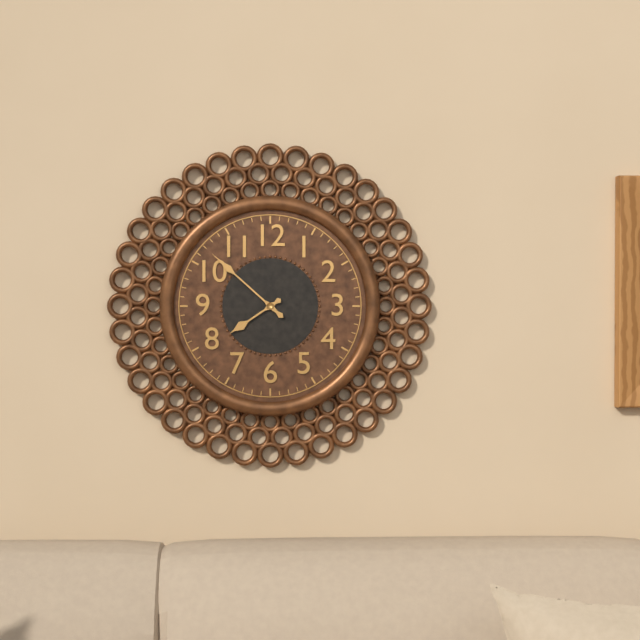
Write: 7:52
